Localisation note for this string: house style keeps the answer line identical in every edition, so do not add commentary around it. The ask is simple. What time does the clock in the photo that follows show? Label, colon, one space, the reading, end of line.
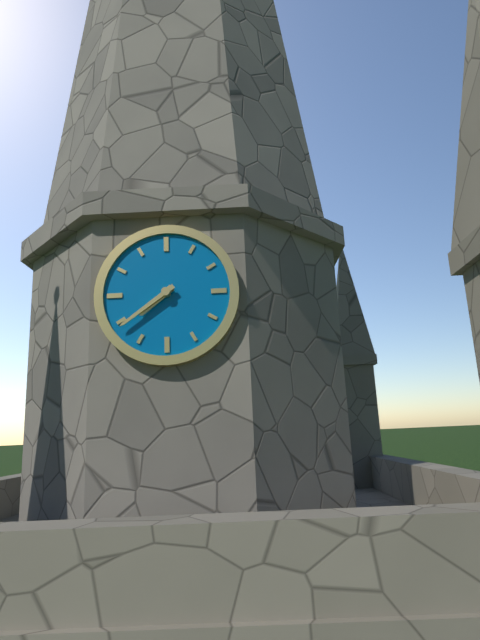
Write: 7:39
